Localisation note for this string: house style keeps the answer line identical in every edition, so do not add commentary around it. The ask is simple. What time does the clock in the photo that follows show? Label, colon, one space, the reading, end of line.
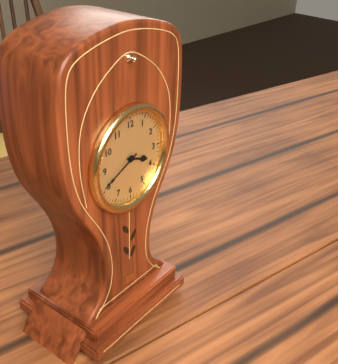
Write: 3:41
